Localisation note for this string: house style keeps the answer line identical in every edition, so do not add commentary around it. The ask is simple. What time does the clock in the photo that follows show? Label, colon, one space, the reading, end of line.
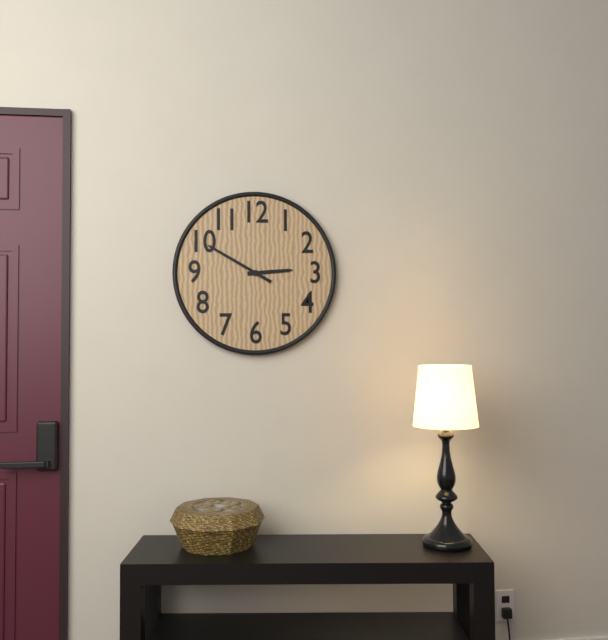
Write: 2:50
